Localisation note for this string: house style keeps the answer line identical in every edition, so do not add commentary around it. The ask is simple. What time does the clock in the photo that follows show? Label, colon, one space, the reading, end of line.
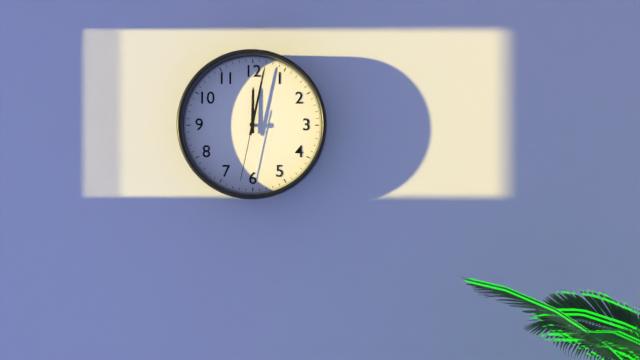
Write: 12:02:32
